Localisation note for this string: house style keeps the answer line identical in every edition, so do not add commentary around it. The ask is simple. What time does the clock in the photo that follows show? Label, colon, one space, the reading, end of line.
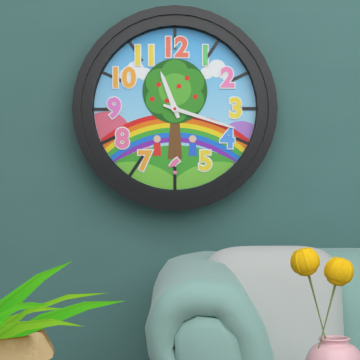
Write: 11:18
